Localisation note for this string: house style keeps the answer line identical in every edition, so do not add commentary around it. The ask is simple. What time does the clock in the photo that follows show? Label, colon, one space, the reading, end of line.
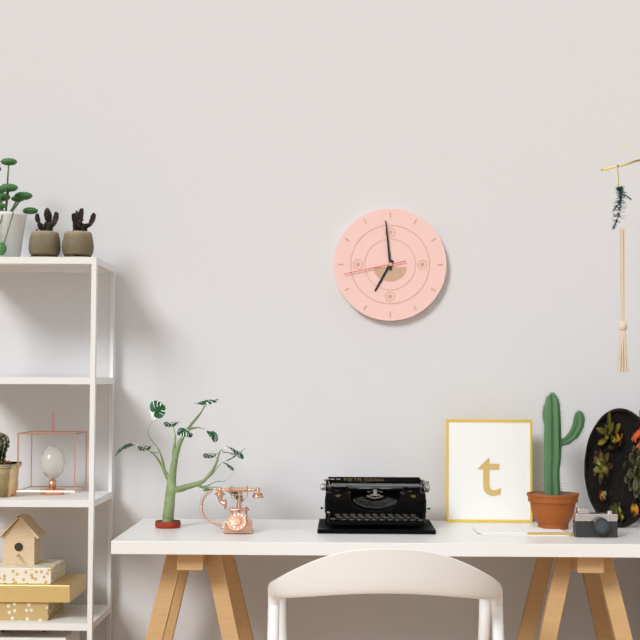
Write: 6:59:43
